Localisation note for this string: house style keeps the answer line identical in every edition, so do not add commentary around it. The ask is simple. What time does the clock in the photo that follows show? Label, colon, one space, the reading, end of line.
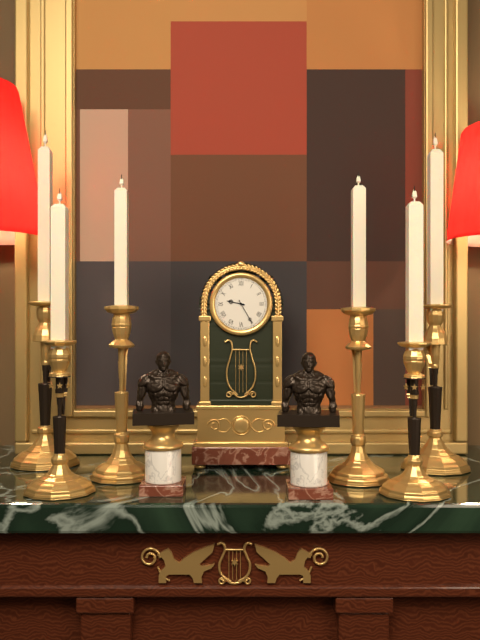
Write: 9:25
